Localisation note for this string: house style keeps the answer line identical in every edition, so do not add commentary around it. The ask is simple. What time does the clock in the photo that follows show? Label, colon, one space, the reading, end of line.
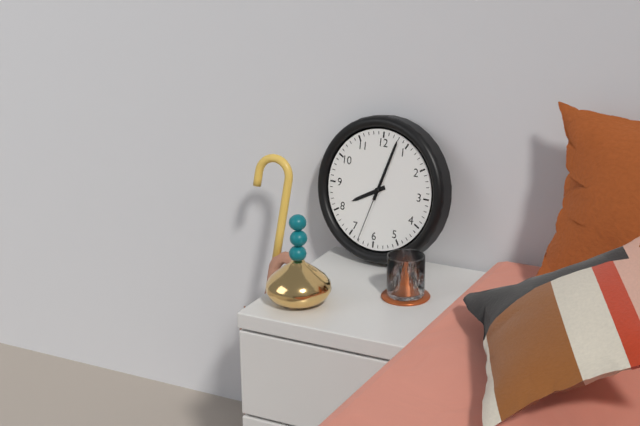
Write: 8:03:33
